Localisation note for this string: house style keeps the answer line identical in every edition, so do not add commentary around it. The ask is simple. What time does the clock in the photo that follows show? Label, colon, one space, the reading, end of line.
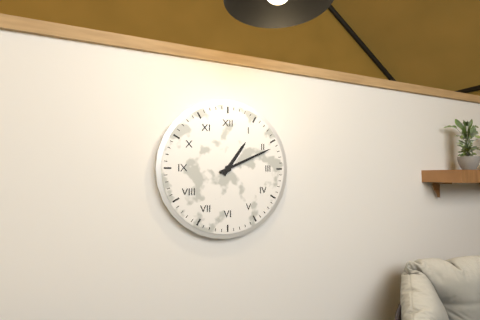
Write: 1:11
